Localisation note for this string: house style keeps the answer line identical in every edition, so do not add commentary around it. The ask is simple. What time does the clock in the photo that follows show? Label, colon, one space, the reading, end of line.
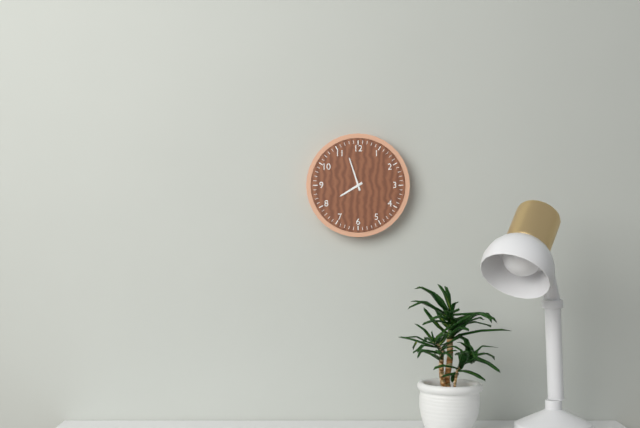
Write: 7:57
